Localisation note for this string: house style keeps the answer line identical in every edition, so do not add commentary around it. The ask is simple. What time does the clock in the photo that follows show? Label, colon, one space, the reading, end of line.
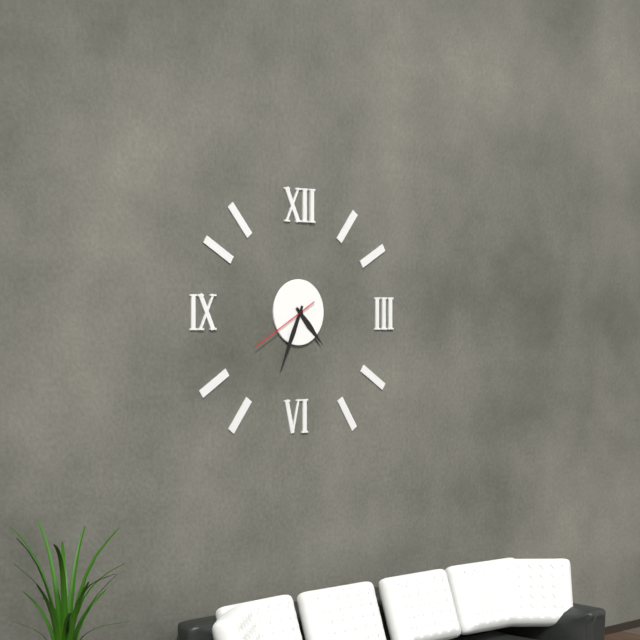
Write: 4:34:40
